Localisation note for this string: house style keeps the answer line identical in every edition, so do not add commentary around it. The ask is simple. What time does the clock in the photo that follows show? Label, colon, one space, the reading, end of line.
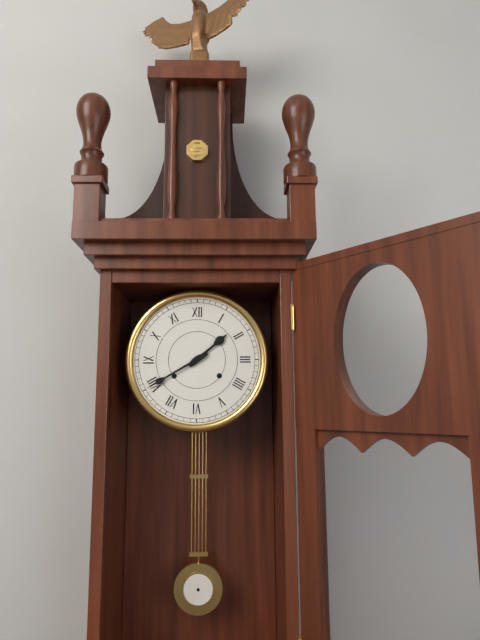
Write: 1:40
